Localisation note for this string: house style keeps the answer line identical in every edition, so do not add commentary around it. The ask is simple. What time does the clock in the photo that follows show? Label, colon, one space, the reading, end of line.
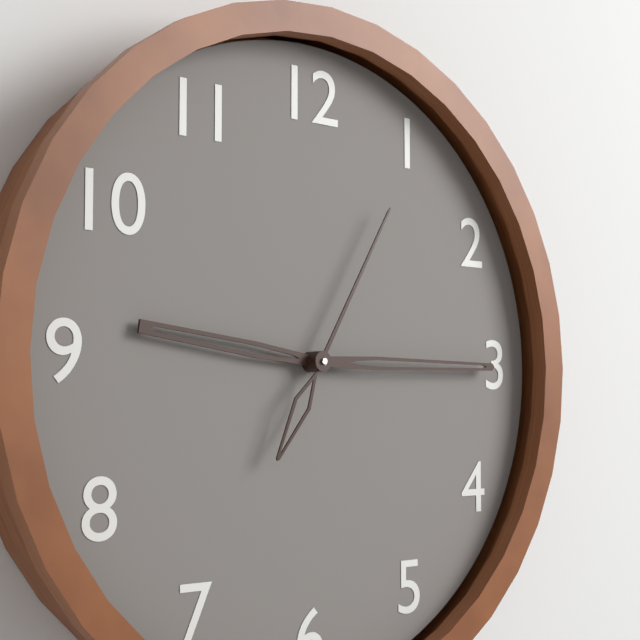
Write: 9:15:05
